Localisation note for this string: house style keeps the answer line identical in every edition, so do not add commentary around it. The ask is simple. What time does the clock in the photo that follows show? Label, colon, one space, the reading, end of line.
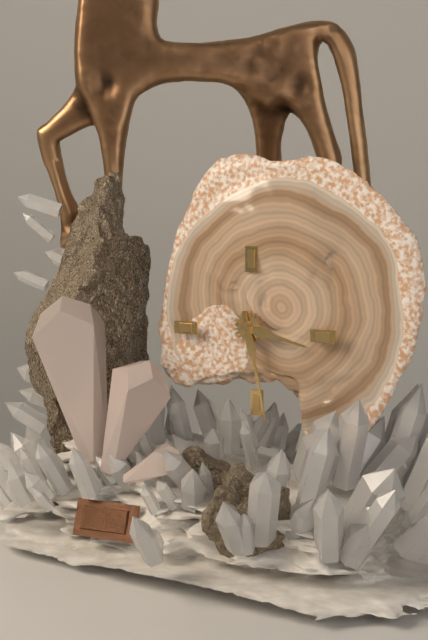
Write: 3:28
